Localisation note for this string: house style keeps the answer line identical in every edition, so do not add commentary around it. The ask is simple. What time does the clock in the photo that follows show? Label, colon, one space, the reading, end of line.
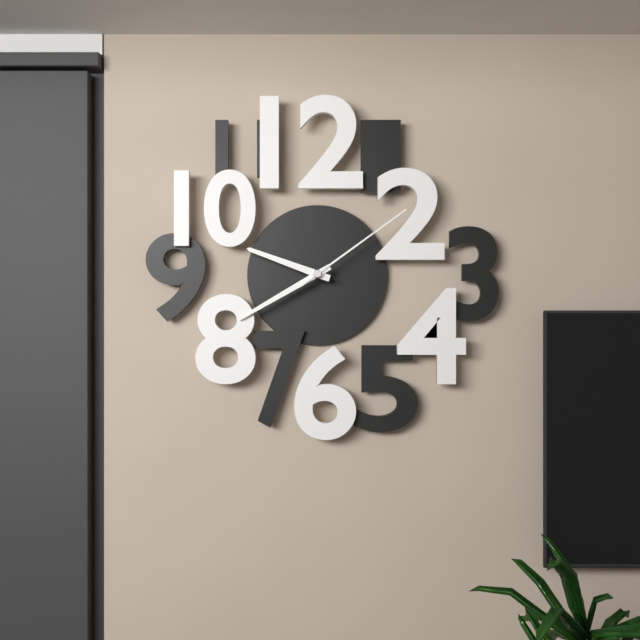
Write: 9:40:09
